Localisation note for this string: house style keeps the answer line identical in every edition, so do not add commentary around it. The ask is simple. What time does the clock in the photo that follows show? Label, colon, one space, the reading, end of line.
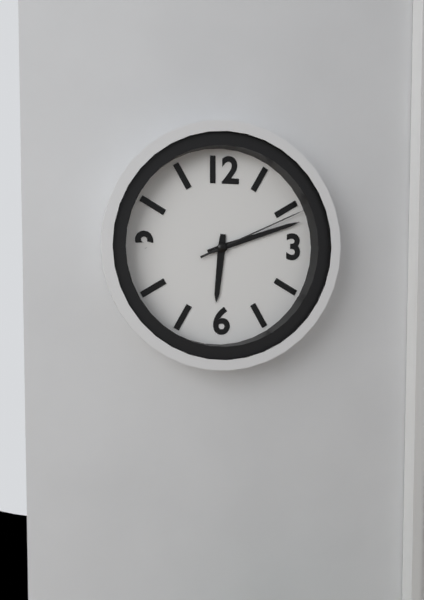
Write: 6:12:11
